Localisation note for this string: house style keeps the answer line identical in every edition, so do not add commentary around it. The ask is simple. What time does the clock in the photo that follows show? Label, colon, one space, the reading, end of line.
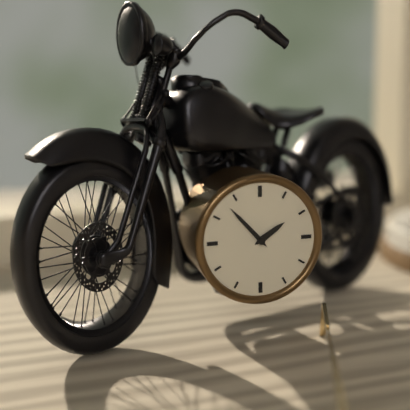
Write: 1:53
